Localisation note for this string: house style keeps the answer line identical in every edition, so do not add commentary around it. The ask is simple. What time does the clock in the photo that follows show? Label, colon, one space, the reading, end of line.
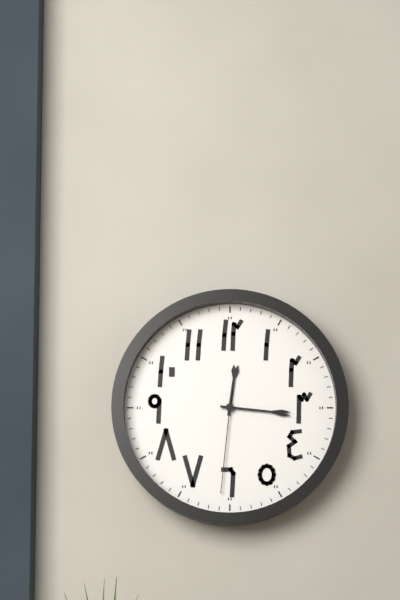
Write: 12:16:31
